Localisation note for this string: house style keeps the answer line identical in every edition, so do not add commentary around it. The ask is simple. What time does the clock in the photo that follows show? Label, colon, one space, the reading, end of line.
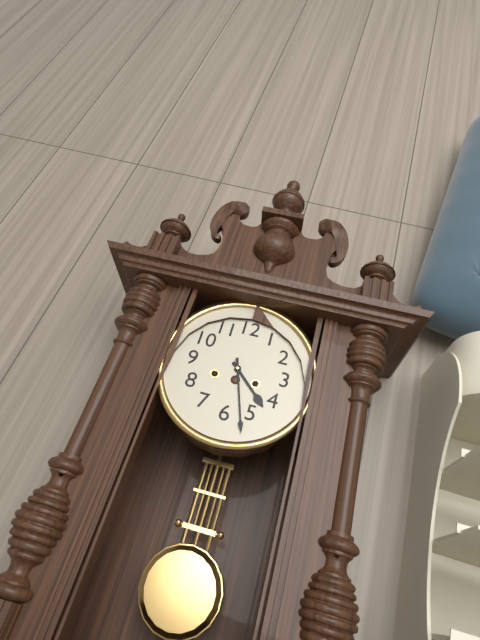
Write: 4:27
